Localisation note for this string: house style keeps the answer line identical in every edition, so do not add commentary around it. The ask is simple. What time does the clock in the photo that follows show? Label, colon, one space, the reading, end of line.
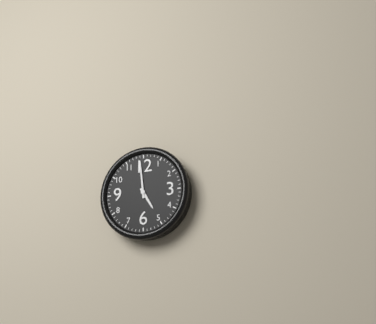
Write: 4:59
